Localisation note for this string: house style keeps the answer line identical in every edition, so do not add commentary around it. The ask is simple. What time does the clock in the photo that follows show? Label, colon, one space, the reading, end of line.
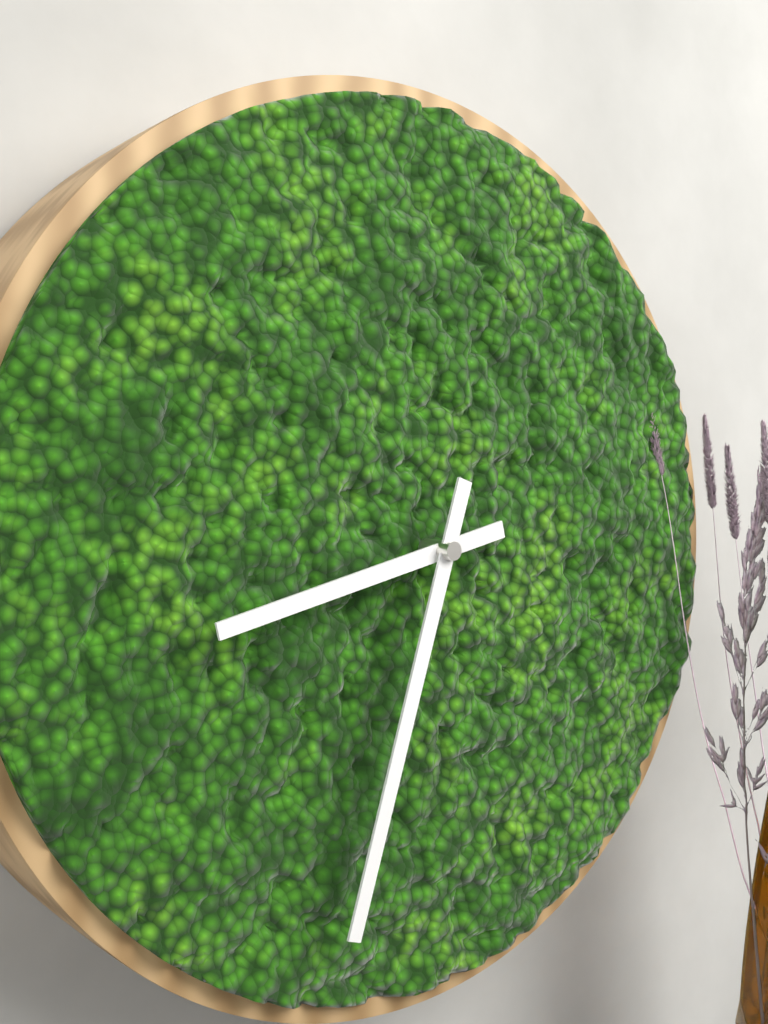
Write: 8:33
